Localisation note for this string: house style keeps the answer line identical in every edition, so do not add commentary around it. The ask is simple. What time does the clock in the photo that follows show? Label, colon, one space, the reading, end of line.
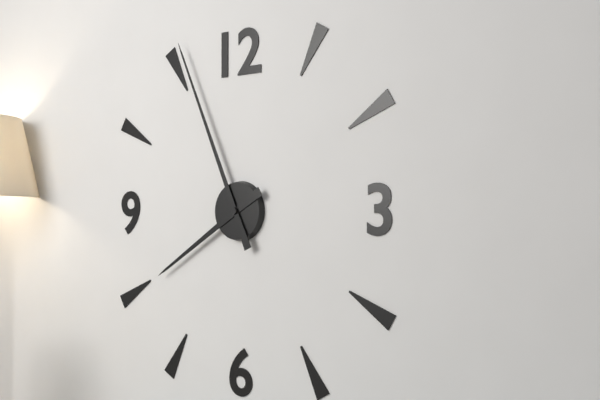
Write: 7:56
